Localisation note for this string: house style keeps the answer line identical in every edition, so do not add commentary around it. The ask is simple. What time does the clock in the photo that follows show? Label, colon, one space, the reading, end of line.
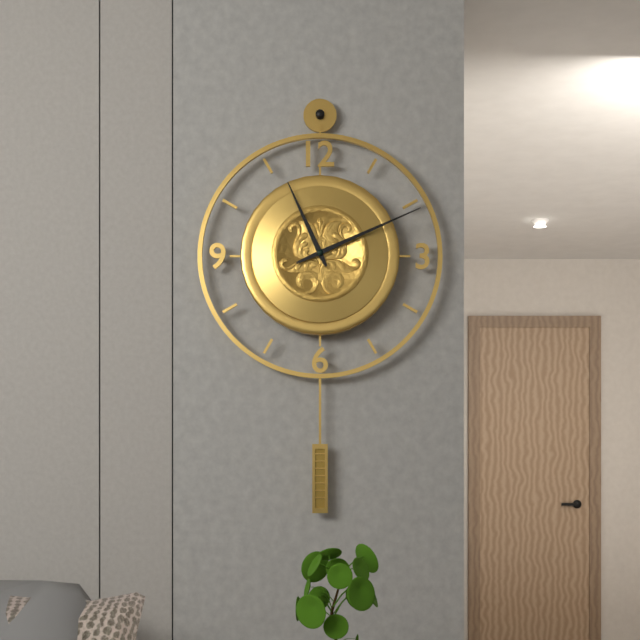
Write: 11:11
